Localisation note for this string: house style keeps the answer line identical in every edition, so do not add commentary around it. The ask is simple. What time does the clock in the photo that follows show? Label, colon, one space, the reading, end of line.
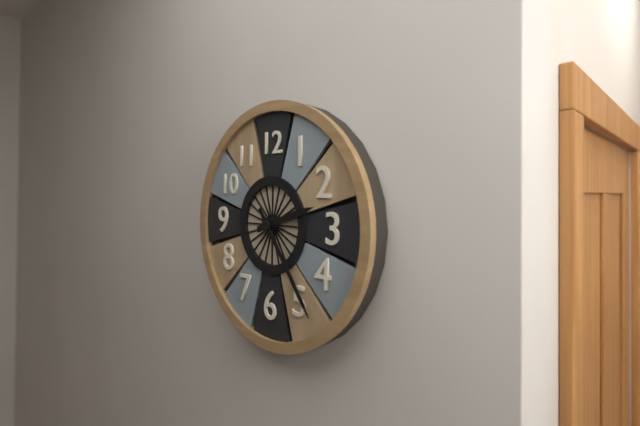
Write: 2:24
